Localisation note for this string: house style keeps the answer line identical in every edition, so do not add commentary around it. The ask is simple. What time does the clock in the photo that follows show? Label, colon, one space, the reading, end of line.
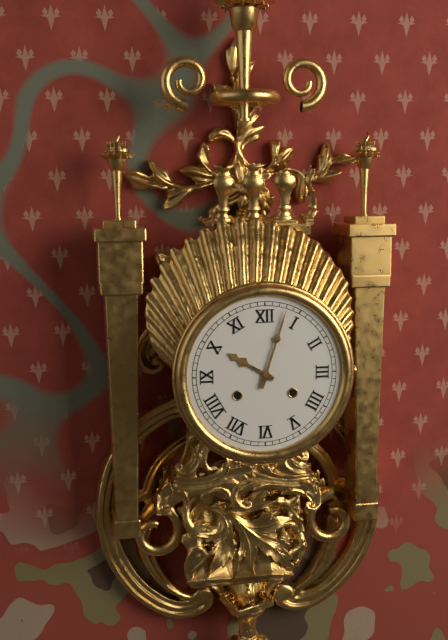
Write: 10:03
